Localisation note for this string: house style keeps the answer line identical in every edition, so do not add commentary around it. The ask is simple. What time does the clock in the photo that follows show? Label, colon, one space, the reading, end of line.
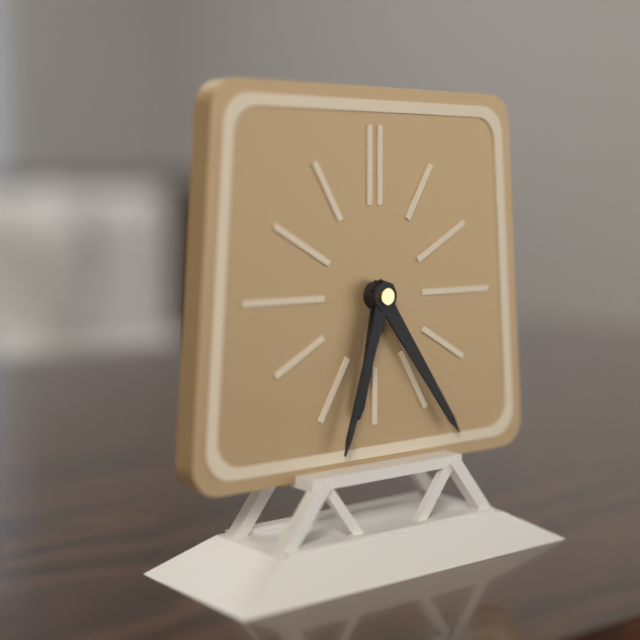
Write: 6:24:33
